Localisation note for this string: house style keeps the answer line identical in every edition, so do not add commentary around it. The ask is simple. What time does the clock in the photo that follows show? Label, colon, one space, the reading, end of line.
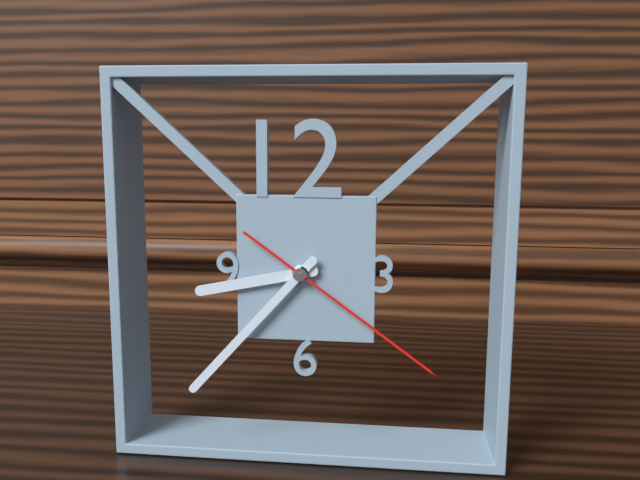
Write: 8:37:21
